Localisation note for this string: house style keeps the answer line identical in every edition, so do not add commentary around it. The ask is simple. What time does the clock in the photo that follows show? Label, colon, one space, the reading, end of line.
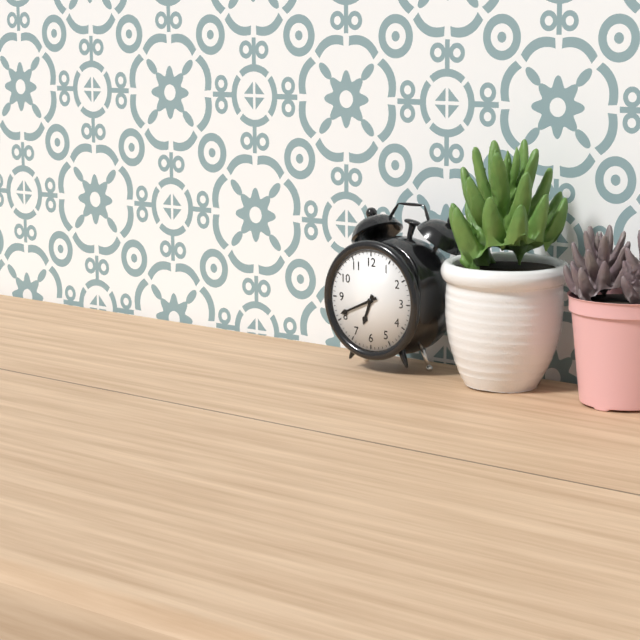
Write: 6:41
